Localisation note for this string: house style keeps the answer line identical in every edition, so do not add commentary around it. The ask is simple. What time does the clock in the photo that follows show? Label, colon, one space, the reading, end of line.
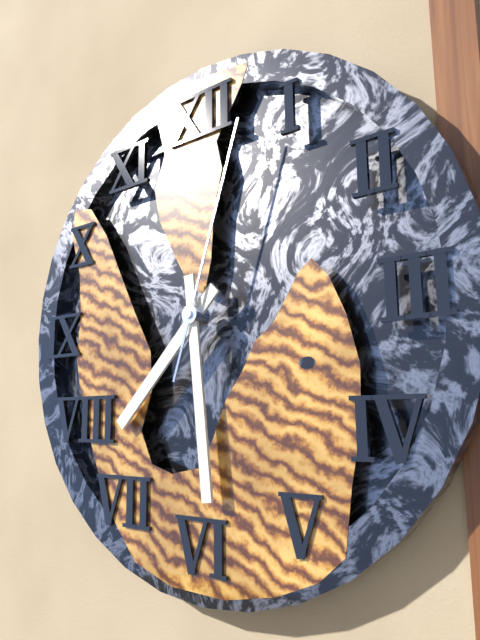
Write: 7:29:03
